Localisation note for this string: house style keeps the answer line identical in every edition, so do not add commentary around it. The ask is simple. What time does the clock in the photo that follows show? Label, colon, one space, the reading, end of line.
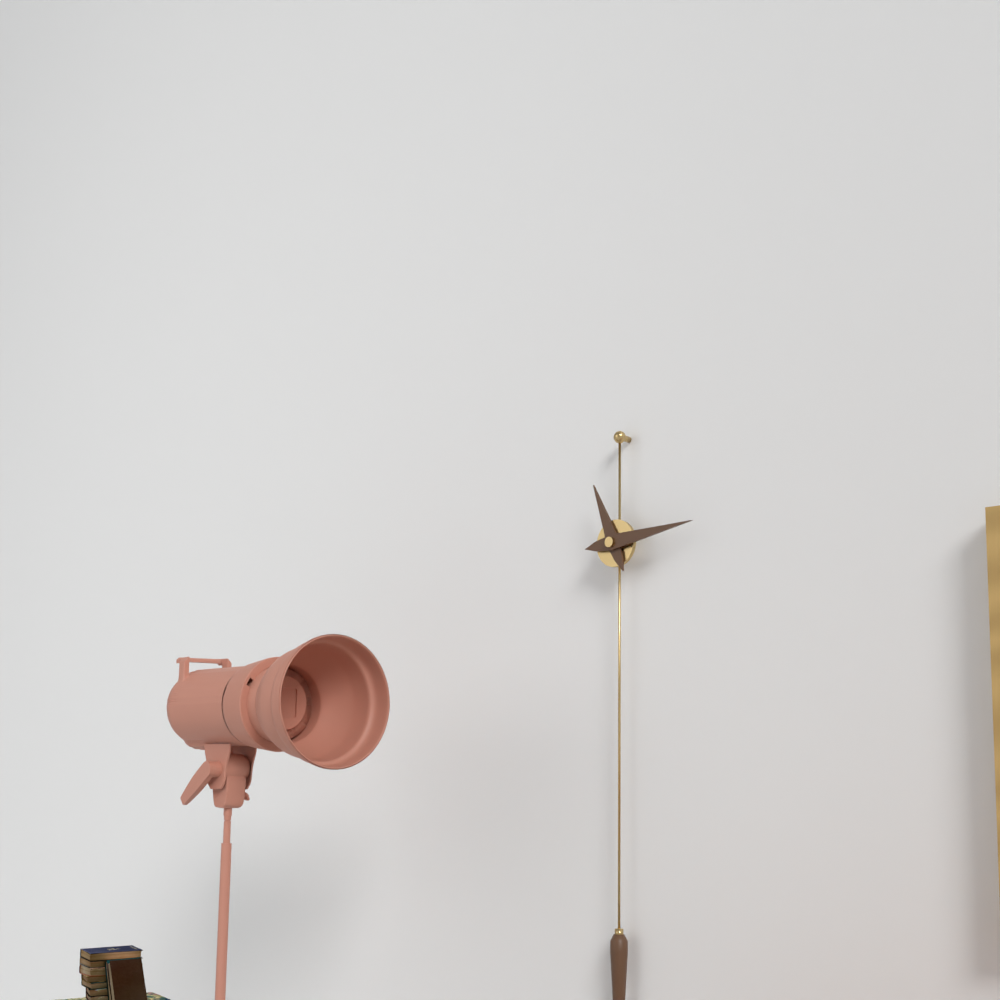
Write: 11:14
